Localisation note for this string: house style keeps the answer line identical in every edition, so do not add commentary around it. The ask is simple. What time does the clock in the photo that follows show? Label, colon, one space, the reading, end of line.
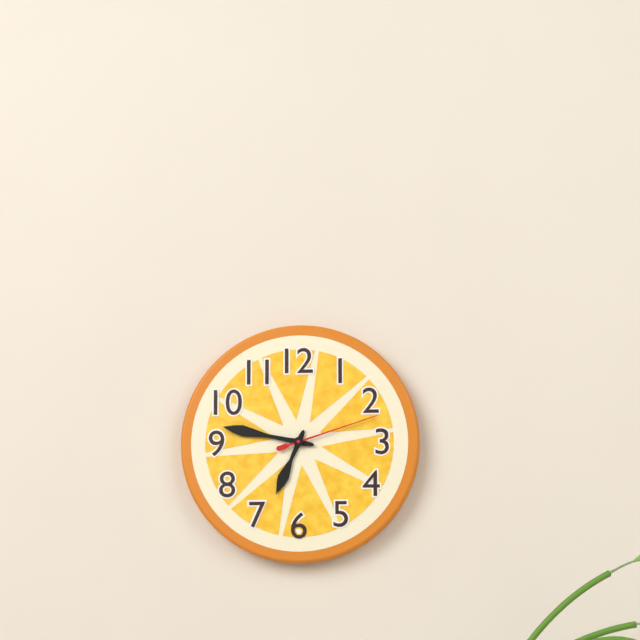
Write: 6:47:12
